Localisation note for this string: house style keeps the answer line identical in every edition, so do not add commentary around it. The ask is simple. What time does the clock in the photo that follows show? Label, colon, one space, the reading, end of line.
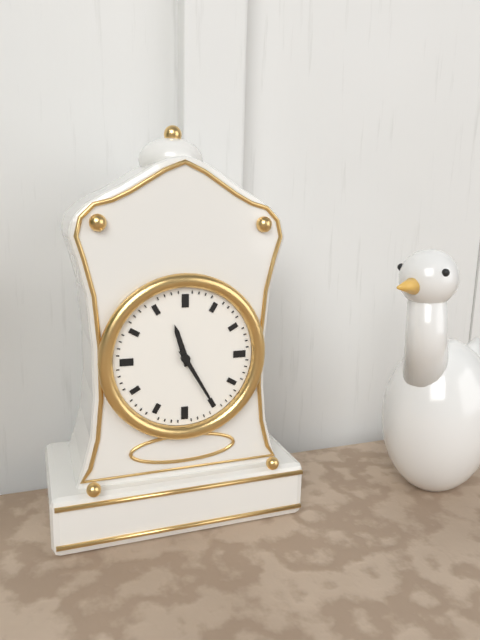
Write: 11:25
